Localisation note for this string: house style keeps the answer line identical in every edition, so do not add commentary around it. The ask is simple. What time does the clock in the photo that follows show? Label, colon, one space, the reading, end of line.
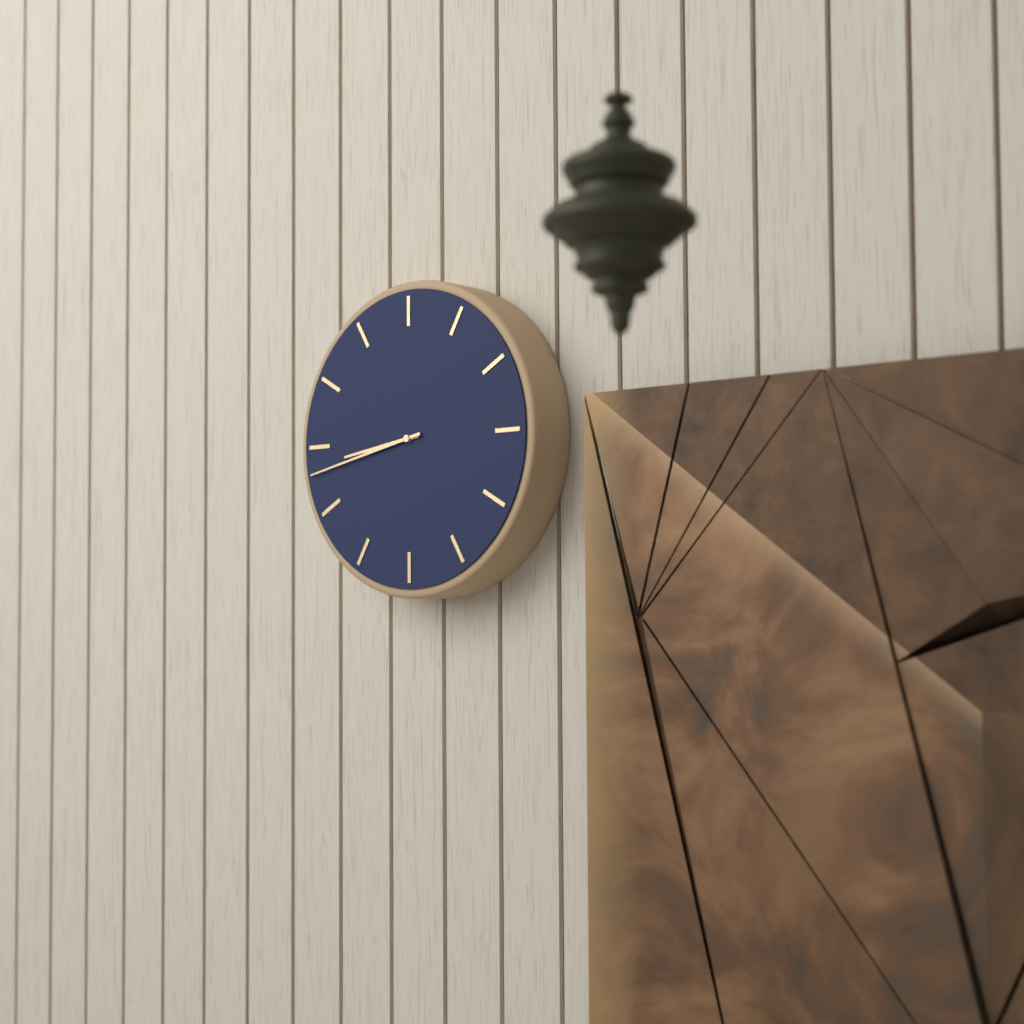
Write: 8:43
